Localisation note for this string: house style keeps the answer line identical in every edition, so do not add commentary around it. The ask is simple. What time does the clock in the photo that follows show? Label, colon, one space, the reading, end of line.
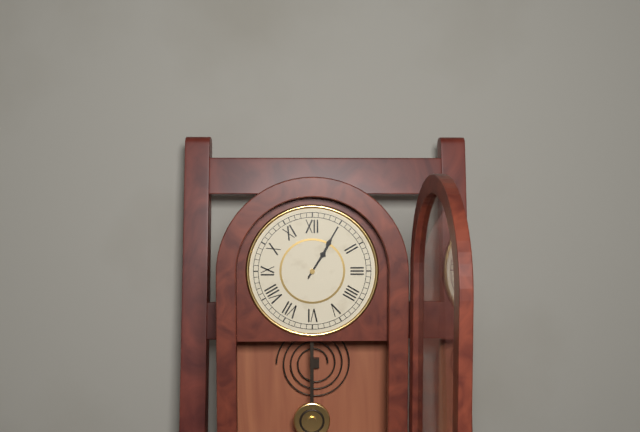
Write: 1:05
